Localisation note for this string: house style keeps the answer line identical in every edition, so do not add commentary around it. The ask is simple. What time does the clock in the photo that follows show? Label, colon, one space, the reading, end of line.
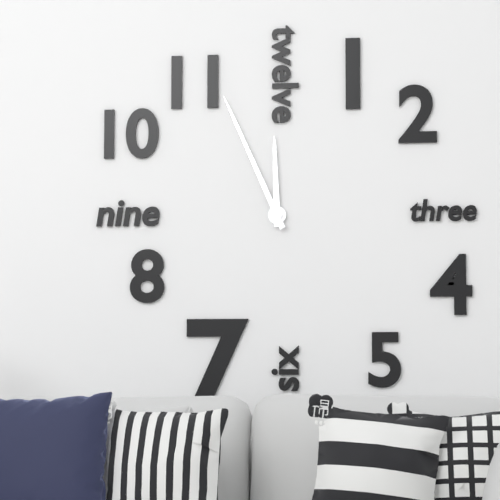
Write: 11:56
